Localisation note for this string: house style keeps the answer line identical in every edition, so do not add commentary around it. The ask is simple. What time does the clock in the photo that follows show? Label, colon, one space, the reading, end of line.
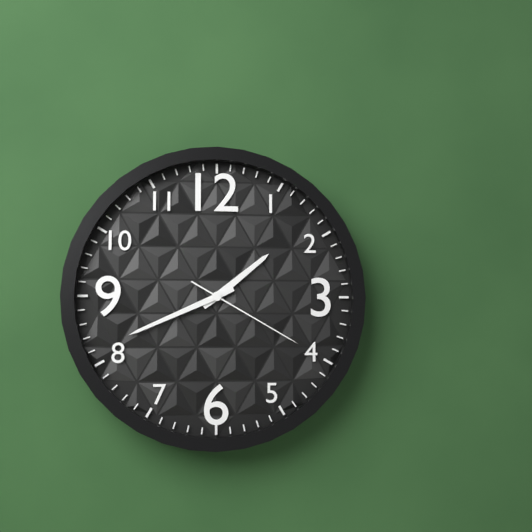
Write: 1:41:20
